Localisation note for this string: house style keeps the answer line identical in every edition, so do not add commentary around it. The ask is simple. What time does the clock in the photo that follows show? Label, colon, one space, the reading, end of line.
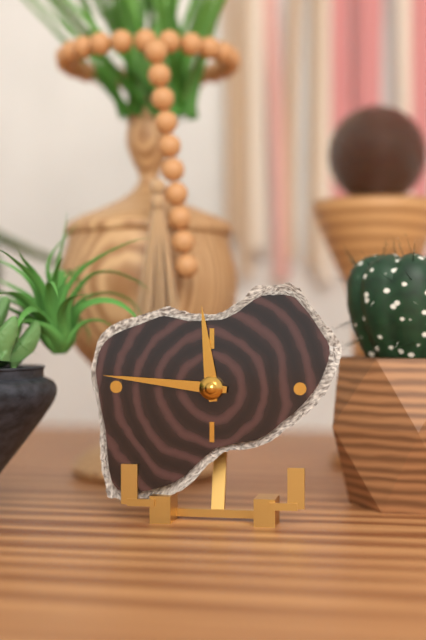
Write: 11:46
